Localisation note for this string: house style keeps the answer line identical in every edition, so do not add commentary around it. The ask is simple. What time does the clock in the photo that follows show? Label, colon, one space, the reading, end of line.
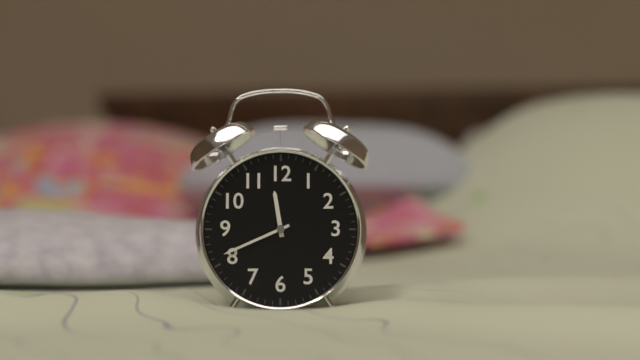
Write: 11:41
